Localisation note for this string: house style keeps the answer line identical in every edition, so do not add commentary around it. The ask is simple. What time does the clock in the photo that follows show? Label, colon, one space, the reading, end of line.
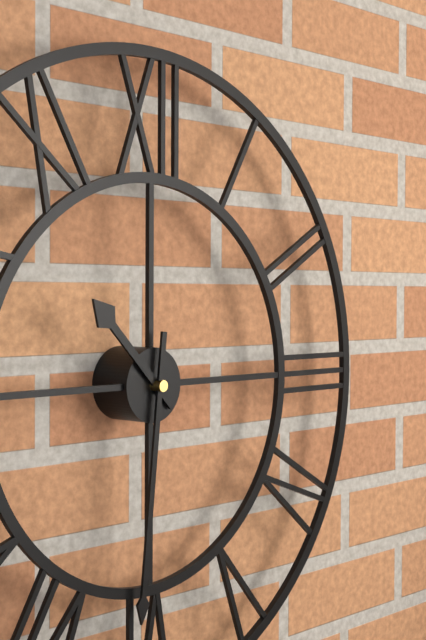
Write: 10:31
